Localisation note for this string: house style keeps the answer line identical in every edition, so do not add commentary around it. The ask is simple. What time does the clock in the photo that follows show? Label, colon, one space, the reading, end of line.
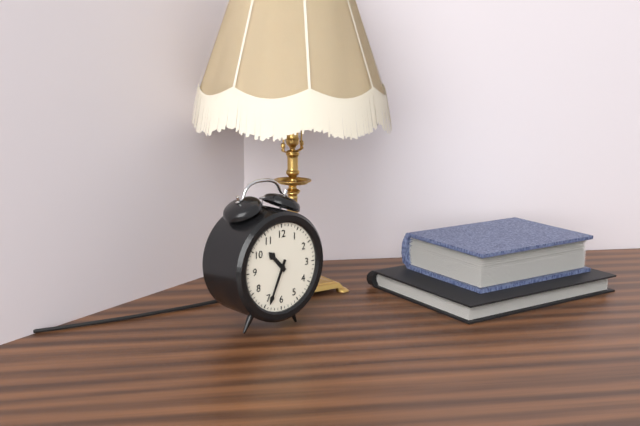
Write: 10:34
